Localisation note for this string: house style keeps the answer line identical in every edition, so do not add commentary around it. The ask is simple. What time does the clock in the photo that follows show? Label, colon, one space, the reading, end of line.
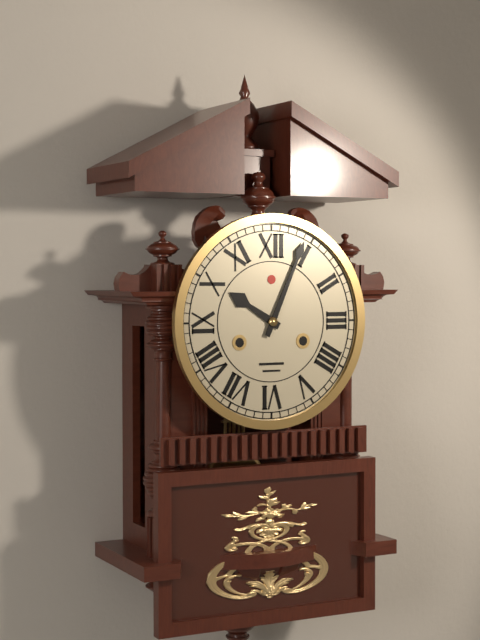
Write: 10:04
